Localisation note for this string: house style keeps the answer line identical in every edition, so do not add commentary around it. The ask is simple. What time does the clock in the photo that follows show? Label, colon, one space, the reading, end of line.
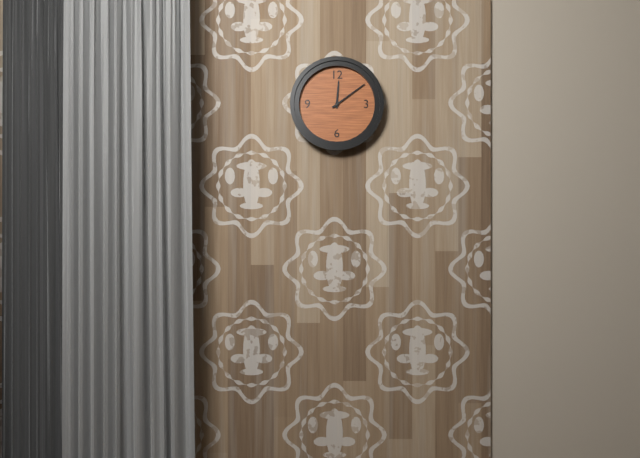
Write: 12:09
